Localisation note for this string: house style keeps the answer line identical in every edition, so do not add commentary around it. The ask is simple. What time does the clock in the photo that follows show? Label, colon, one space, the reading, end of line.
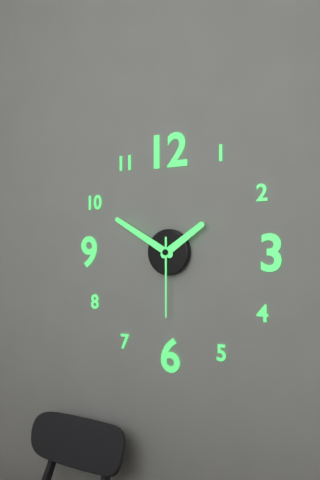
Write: 1:50:30
